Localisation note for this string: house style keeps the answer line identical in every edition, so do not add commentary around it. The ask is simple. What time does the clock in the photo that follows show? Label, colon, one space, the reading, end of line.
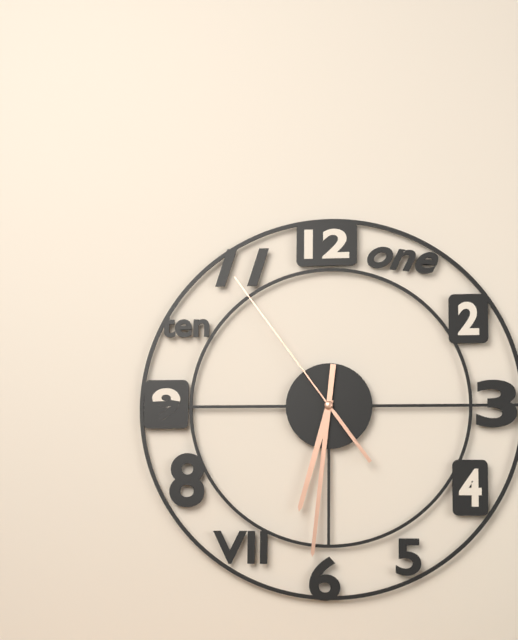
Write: 6:31:54
